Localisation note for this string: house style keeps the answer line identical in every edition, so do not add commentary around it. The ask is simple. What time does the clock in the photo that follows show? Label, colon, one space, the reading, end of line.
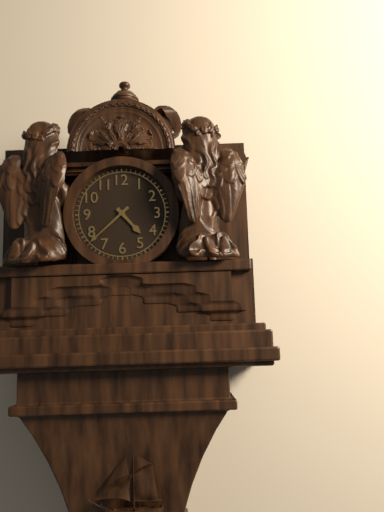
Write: 4:38
